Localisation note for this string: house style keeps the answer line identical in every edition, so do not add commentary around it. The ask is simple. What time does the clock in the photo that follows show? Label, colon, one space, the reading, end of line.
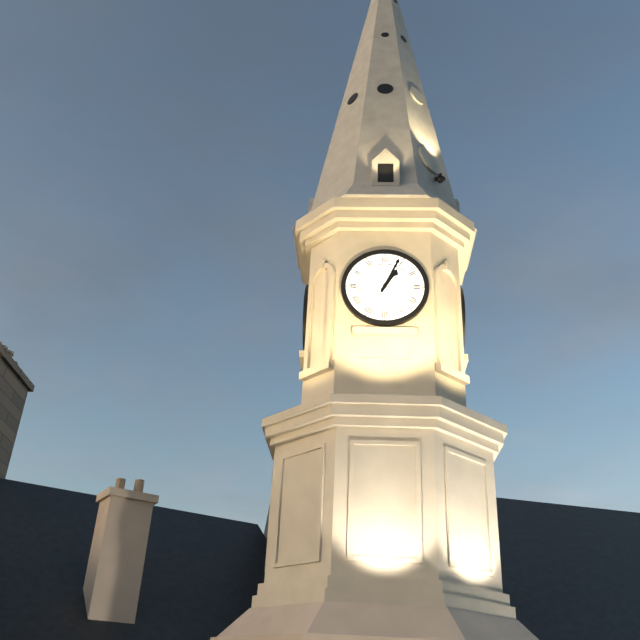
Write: 1:04
